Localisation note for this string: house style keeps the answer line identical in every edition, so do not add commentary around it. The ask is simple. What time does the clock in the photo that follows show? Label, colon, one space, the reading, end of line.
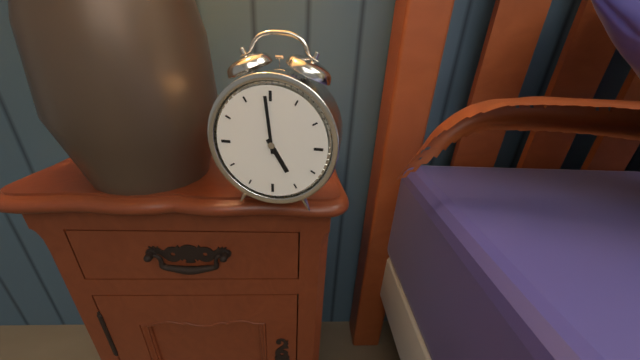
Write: 4:59
